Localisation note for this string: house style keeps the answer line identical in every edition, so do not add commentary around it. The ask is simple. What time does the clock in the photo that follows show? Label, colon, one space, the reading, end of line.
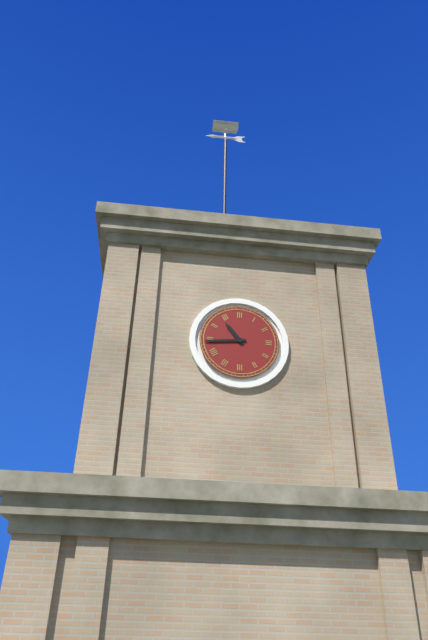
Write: 10:44
